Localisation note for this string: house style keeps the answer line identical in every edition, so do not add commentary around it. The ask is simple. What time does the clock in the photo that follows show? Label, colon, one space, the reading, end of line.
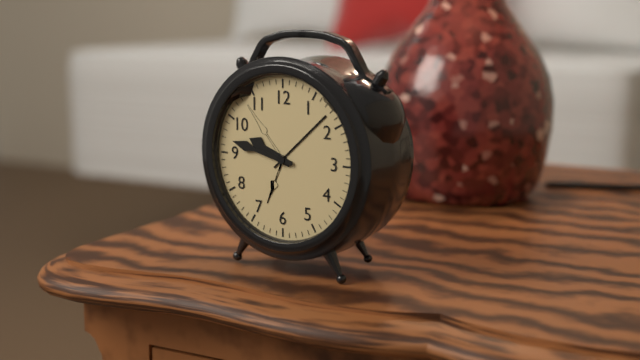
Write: 9:47
